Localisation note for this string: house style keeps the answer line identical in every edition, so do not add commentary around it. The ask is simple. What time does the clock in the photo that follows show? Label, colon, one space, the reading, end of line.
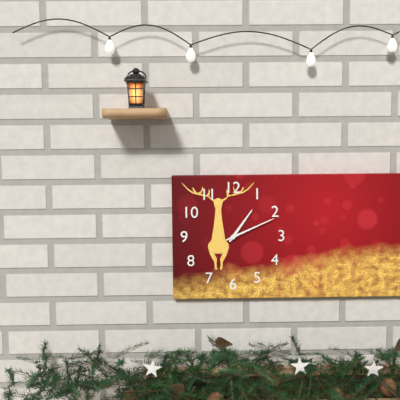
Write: 1:11
